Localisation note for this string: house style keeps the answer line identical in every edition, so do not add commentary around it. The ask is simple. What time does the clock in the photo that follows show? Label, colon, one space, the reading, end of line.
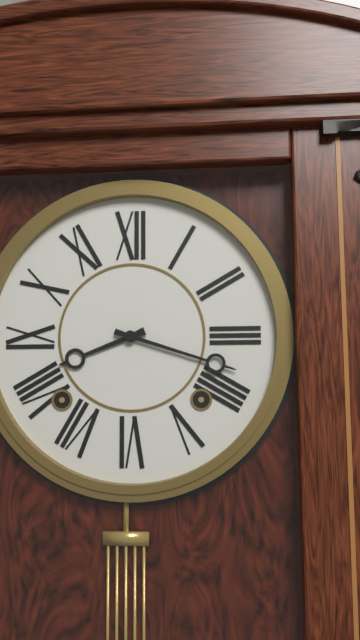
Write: 8:18
